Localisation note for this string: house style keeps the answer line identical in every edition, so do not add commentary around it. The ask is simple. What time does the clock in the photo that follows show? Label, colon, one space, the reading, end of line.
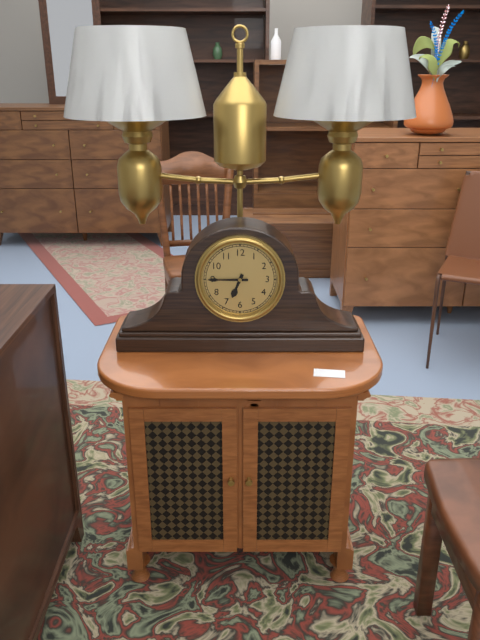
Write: 6:45
